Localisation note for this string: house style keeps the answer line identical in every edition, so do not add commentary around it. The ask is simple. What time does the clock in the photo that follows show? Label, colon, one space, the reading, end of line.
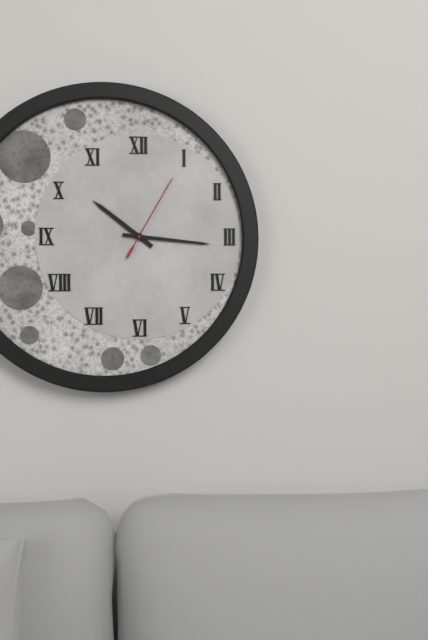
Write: 10:16:05
